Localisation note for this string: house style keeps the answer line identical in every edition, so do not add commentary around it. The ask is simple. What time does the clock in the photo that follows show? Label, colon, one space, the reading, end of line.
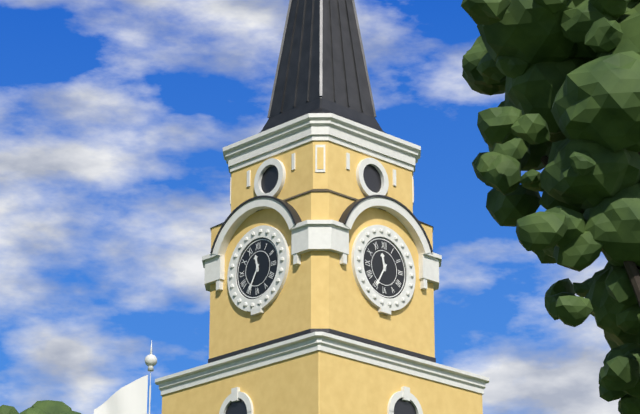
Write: 11:35
